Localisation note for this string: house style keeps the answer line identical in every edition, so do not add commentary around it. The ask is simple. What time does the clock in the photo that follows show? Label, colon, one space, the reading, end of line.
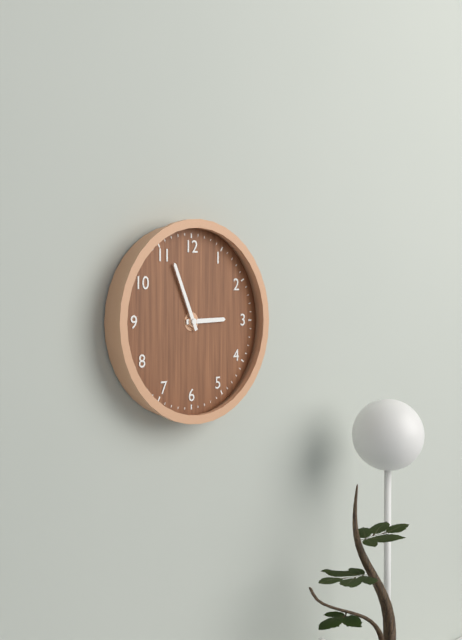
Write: 2:56
